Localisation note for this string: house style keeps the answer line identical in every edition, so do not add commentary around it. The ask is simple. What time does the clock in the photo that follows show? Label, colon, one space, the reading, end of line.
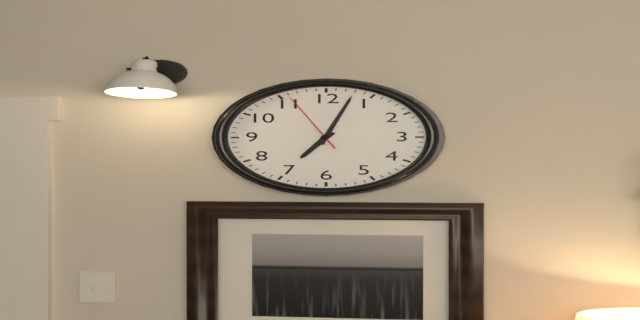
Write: 7:03:56
